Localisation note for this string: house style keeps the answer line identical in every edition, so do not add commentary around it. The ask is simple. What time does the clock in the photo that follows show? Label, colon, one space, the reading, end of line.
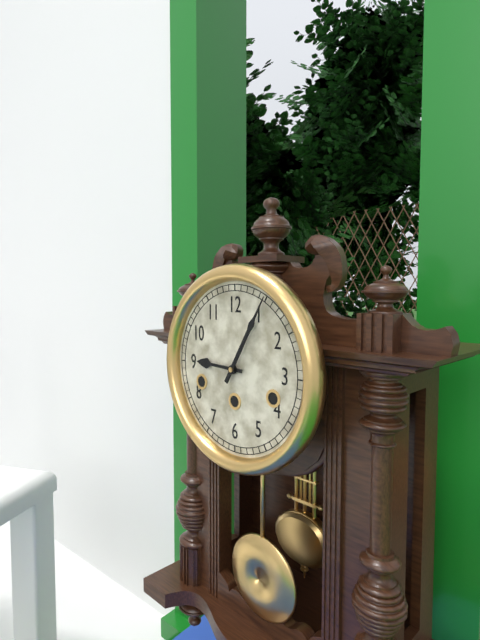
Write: 9:05
